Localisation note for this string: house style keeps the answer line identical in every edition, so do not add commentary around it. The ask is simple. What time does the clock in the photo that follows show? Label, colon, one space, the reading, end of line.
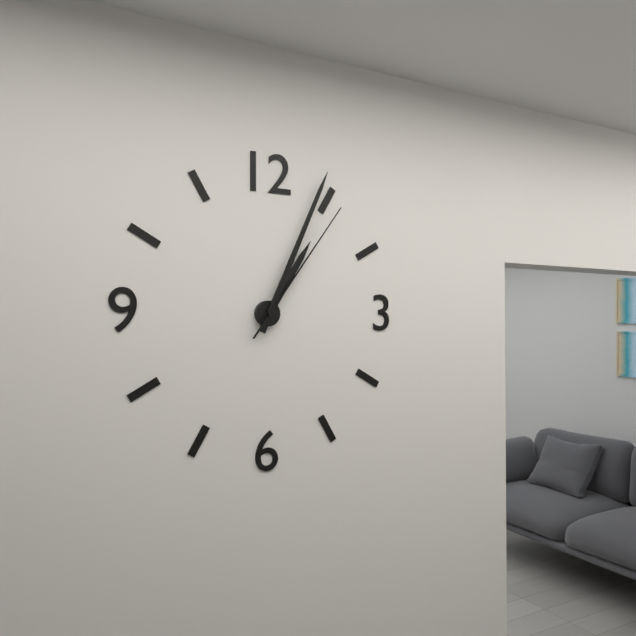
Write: 1:04:06
